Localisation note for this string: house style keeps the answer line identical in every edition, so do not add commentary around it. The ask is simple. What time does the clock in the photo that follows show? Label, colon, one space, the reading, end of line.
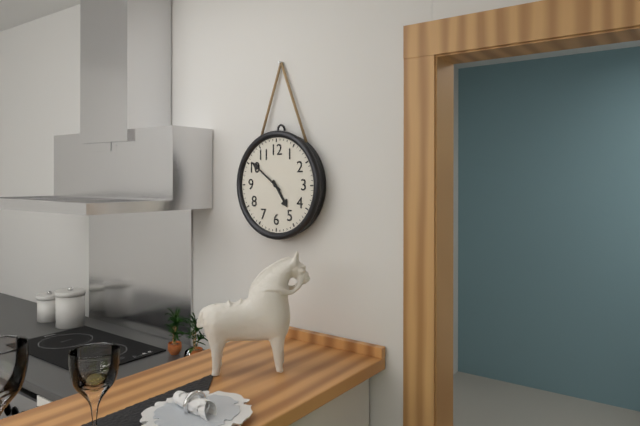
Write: 4:51
